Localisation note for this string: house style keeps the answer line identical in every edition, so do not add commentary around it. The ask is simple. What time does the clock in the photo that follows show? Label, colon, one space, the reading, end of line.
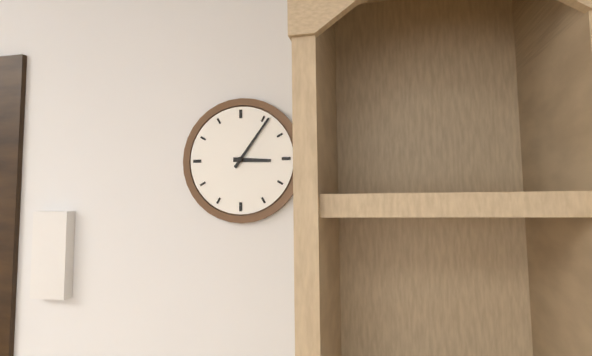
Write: 3:06
